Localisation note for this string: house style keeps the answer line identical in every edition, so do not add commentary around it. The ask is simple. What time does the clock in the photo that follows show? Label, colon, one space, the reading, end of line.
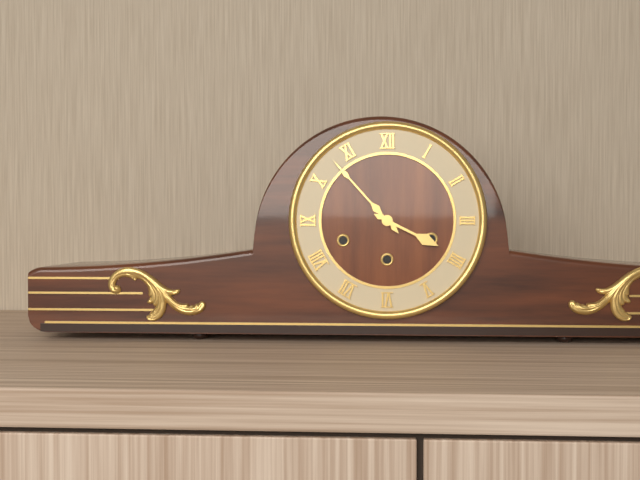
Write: 3:53
